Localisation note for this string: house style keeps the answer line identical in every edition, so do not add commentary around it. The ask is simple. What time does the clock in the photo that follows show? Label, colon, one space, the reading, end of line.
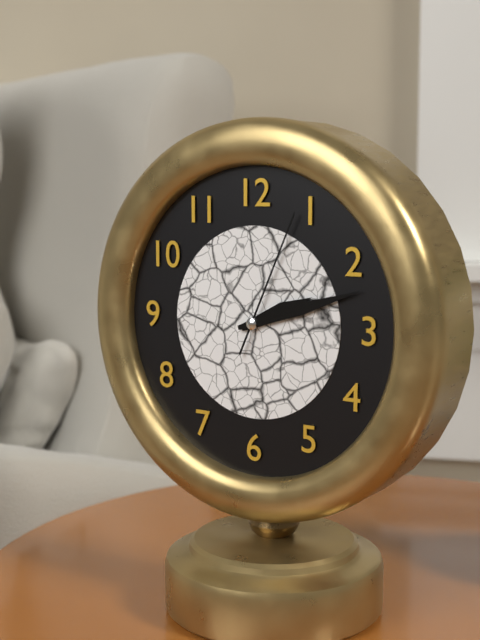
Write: 2:12:04
